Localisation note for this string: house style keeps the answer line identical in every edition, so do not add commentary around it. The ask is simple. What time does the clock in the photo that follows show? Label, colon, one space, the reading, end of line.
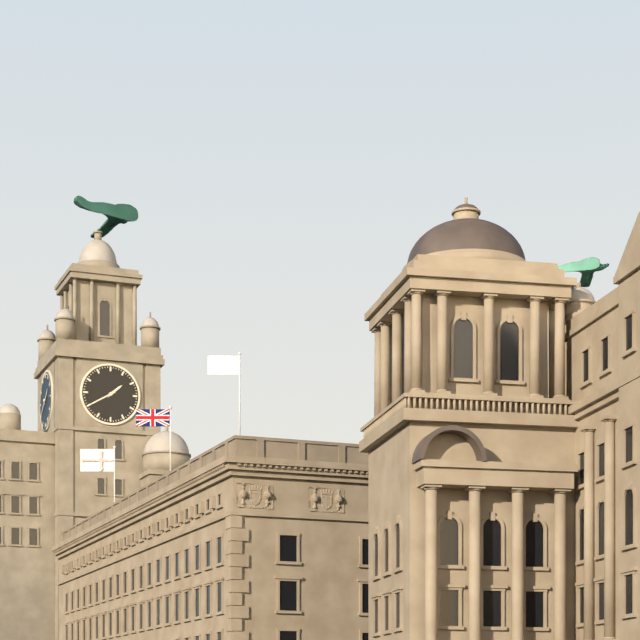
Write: 1:40
